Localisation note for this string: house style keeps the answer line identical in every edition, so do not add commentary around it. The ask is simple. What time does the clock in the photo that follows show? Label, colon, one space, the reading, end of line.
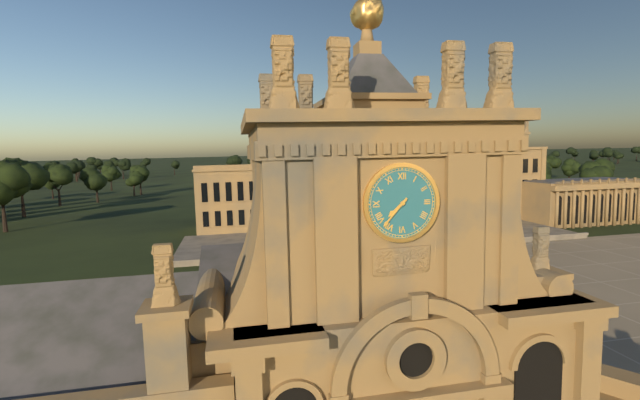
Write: 7:37
